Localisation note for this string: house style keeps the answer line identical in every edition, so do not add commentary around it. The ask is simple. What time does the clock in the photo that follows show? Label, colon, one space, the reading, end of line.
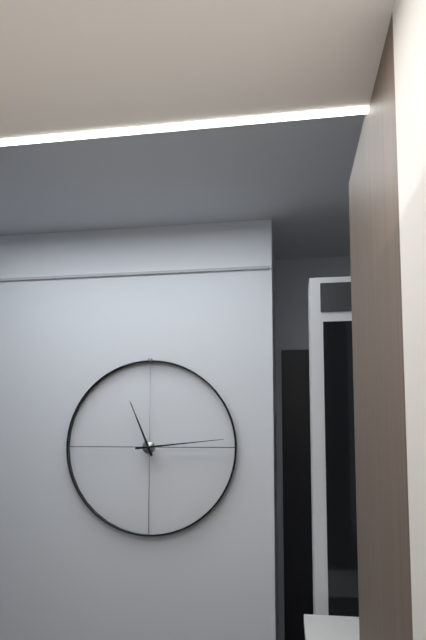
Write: 11:14
